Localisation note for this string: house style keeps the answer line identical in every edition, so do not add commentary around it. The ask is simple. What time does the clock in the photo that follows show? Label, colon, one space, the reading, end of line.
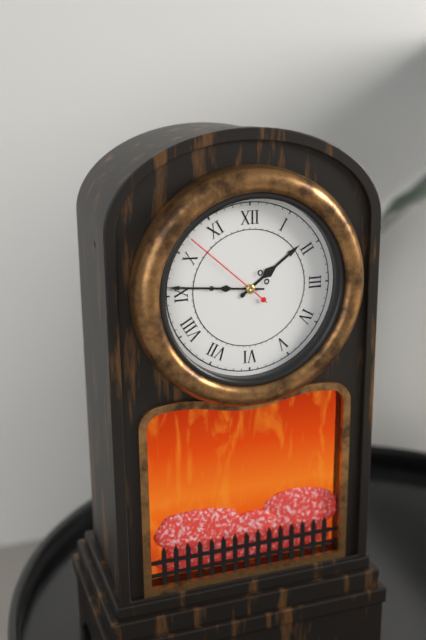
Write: 1:46:52
